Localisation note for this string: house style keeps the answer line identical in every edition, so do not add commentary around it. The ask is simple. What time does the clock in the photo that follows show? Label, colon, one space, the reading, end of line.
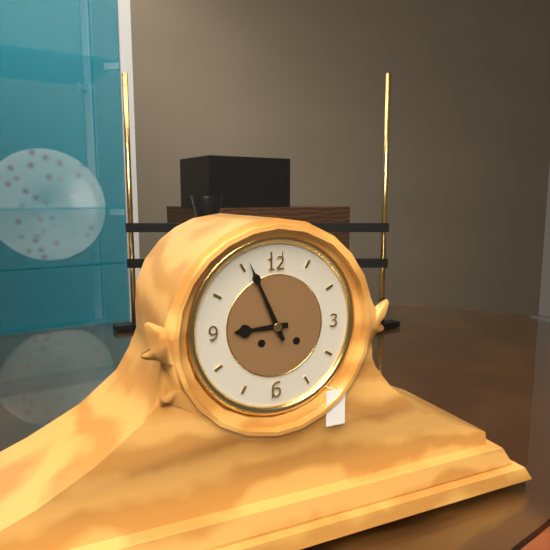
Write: 8:56
